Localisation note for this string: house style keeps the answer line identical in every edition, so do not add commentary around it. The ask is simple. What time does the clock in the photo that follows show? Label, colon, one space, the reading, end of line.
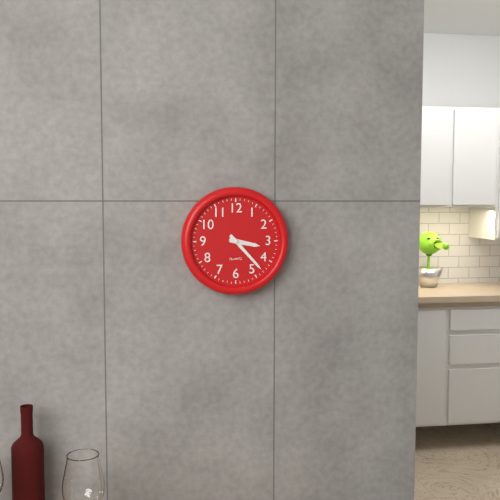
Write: 3:23
